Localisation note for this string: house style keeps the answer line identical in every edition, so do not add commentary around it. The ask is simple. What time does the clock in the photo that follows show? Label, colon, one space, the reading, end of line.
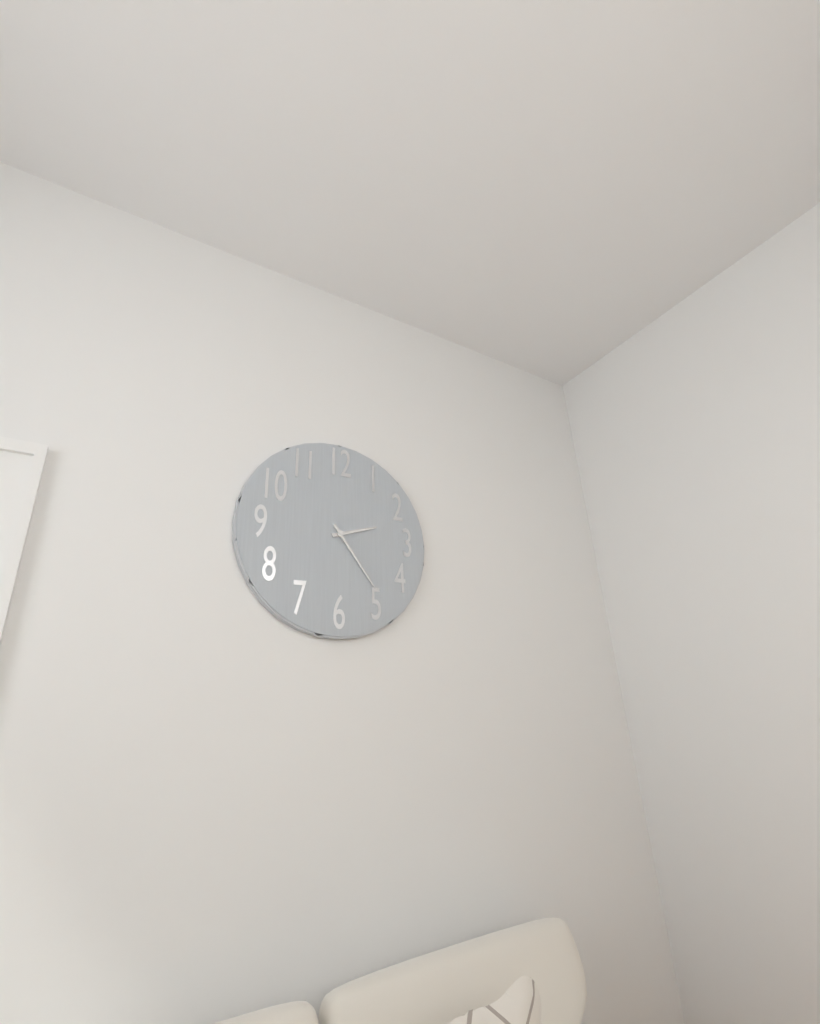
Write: 2:24
